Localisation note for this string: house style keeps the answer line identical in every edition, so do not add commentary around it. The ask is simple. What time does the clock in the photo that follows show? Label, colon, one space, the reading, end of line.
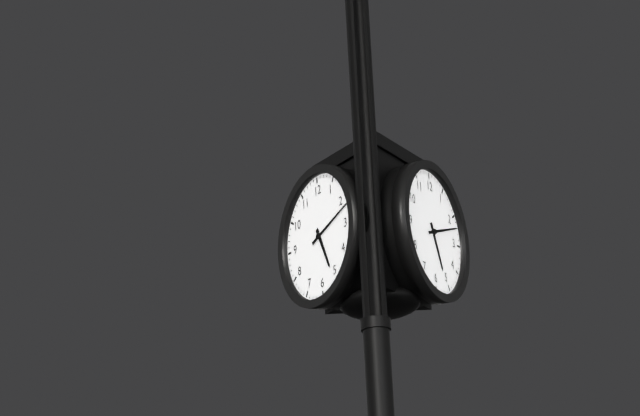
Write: 5:12
